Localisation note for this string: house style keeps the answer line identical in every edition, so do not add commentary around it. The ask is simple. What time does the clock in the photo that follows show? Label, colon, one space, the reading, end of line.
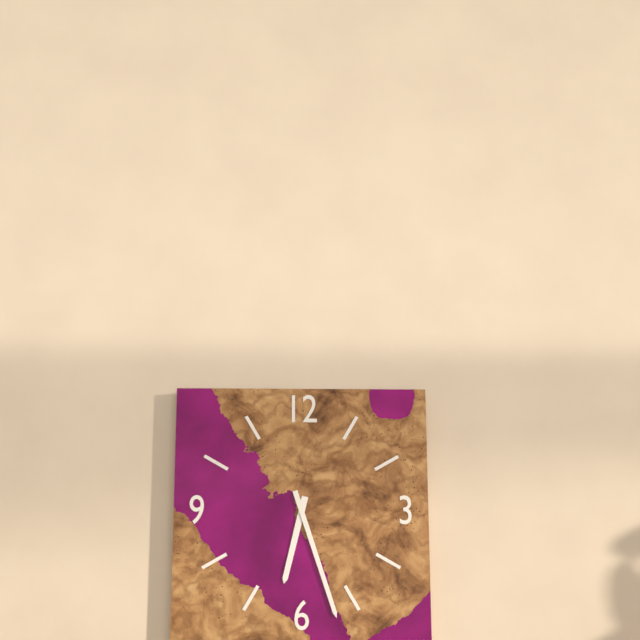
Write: 6:27
